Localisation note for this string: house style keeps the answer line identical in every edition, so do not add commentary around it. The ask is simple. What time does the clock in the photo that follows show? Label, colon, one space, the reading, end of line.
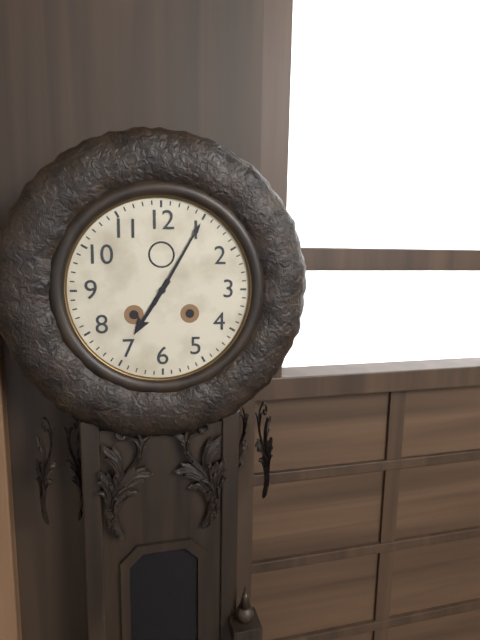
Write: 7:05
